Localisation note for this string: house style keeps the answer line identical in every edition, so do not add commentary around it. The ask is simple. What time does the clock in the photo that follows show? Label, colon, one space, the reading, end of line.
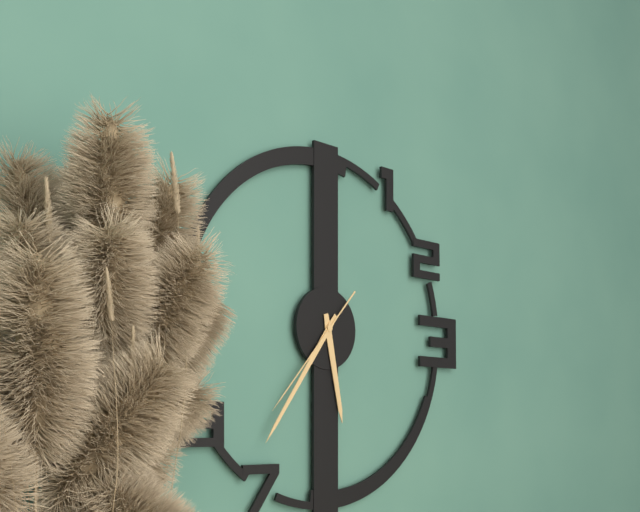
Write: 5:36:37
